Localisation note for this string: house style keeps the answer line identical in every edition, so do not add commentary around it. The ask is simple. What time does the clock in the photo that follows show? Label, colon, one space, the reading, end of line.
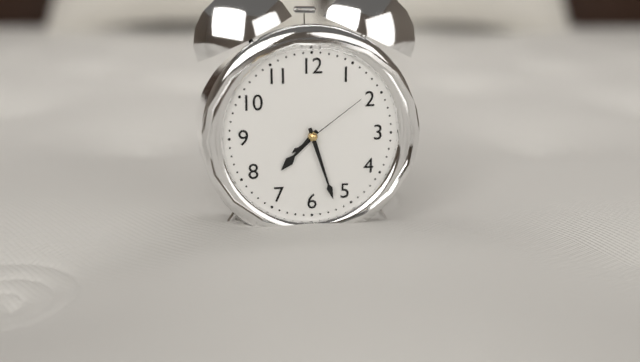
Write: 7:27:09
